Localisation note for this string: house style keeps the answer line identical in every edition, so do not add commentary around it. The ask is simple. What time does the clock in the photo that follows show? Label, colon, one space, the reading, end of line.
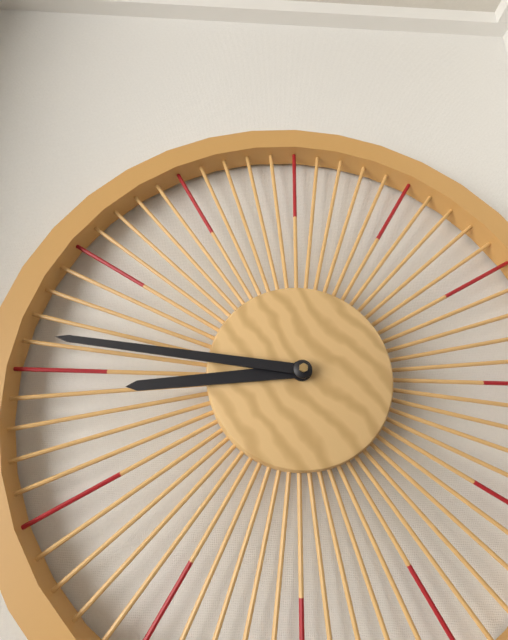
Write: 8:46
